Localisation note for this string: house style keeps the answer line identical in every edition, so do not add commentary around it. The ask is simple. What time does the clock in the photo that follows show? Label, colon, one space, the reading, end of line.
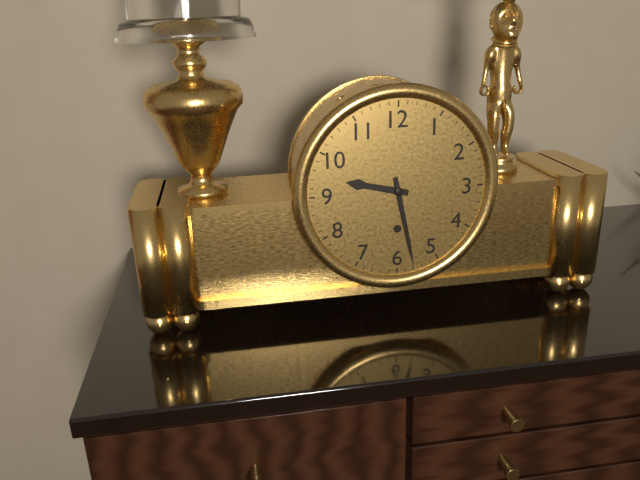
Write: 9:28
